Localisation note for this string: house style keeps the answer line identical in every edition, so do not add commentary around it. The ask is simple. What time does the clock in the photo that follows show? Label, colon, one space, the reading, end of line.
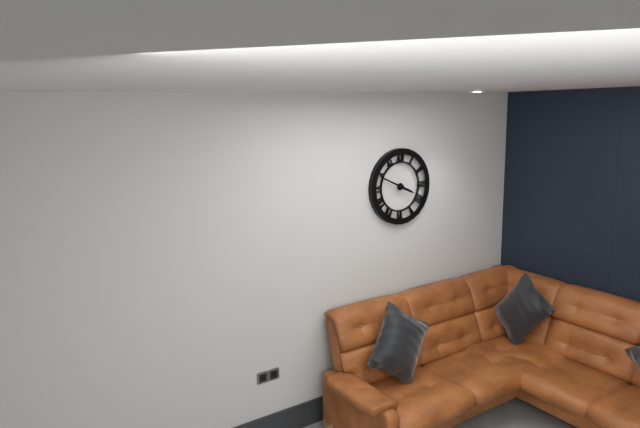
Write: 3:49
